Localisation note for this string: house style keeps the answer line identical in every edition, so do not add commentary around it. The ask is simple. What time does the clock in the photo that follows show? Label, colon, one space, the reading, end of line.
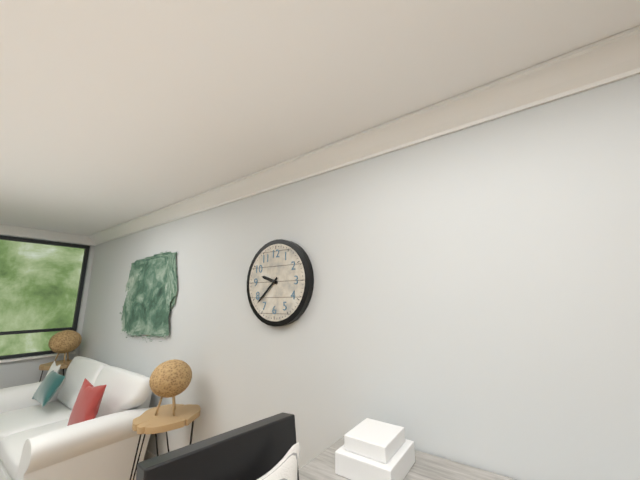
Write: 9:38
